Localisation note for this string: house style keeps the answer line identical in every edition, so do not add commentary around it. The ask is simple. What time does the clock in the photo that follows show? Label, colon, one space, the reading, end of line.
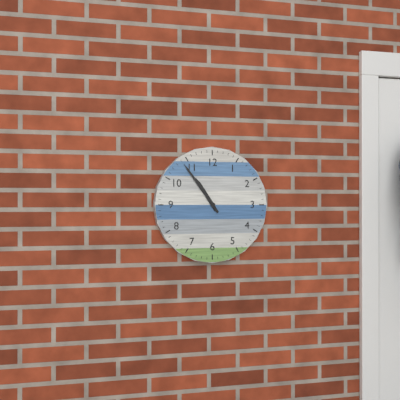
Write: 10:54
